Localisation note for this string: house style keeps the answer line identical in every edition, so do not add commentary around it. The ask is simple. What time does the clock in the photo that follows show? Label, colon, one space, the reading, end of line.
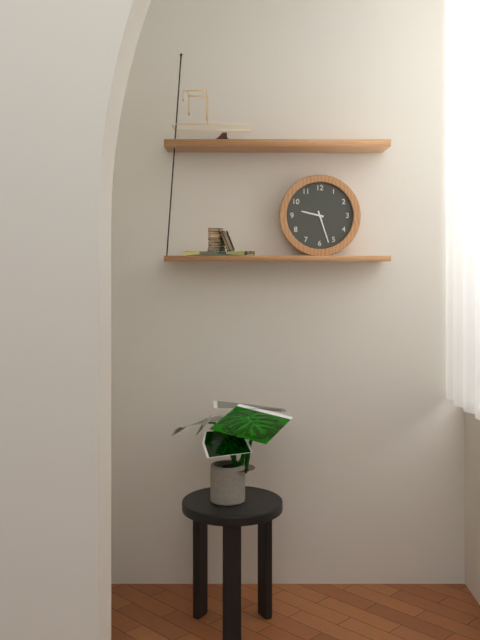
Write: 9:27
